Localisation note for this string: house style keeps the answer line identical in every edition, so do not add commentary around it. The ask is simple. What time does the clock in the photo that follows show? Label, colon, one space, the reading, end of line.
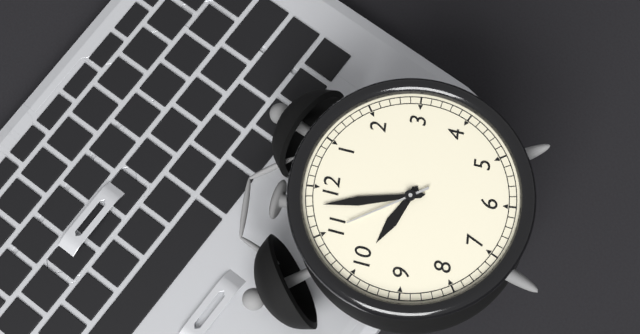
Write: 9:58:55
